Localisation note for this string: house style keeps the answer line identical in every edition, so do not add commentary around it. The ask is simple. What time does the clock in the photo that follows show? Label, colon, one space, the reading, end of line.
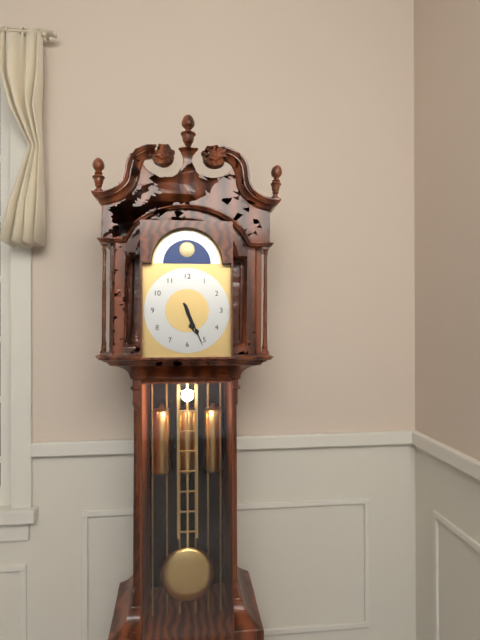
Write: 5:26
